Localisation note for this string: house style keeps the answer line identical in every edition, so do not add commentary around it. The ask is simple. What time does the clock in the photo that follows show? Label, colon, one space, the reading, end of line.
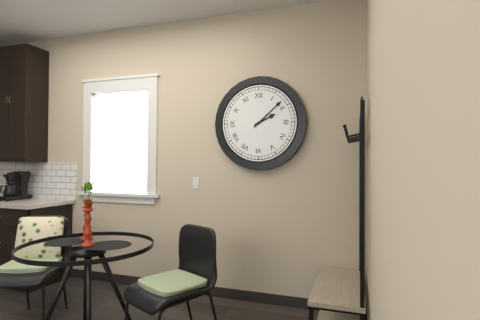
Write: 2:08
